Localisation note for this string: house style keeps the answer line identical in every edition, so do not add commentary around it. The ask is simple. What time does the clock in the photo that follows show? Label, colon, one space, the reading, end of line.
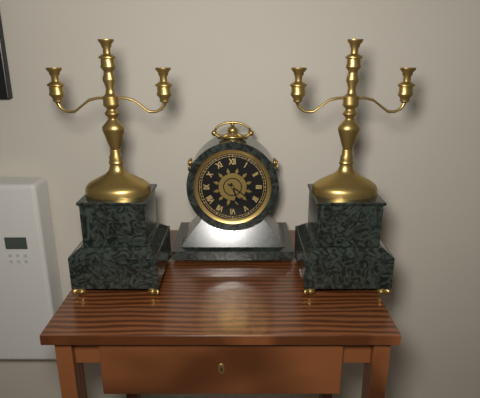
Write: 5:21
